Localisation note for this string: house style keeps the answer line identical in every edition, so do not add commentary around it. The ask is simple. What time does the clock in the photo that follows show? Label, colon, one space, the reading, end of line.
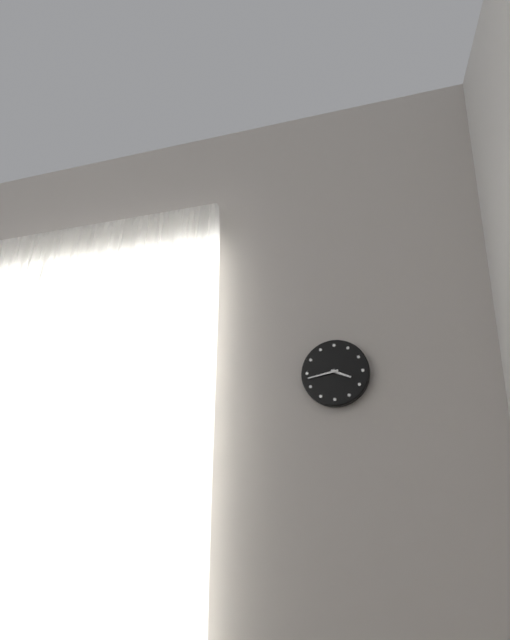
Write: 3:43
